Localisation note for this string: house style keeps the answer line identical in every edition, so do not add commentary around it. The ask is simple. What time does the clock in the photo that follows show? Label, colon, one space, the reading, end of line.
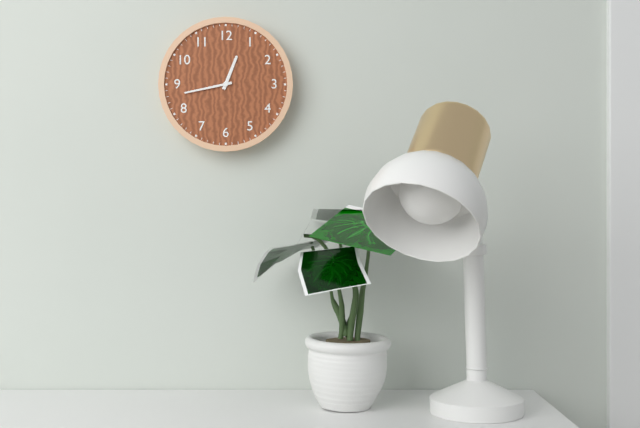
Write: 12:43
